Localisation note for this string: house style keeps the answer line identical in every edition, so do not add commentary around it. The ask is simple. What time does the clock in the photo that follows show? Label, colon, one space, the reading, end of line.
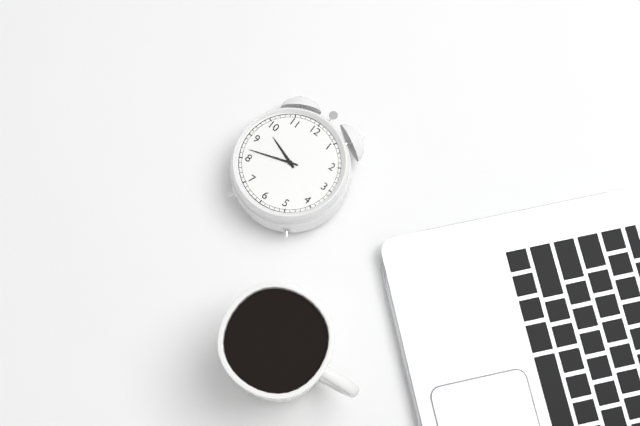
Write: 9:42
